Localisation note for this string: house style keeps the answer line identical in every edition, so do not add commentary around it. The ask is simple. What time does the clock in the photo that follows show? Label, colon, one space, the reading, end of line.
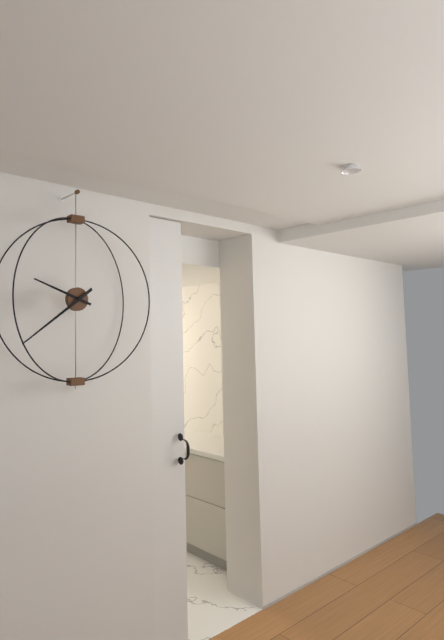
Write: 9:39
